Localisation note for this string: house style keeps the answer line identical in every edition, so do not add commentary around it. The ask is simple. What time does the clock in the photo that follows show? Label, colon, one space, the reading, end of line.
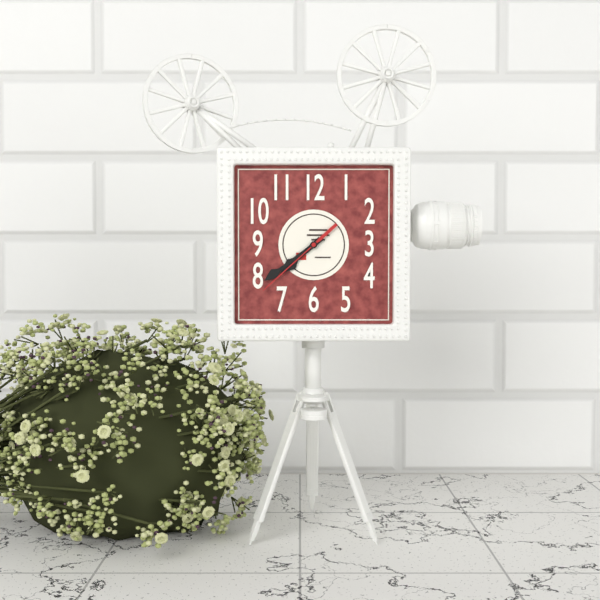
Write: 7:39:38
